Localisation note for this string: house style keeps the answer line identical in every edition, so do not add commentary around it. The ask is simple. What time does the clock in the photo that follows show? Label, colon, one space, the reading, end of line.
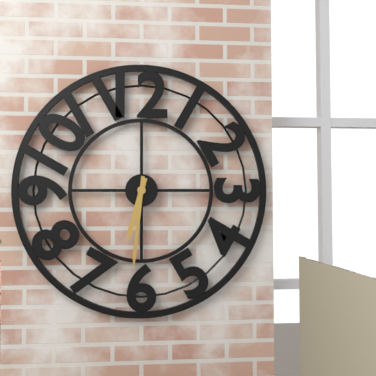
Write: 6:31
